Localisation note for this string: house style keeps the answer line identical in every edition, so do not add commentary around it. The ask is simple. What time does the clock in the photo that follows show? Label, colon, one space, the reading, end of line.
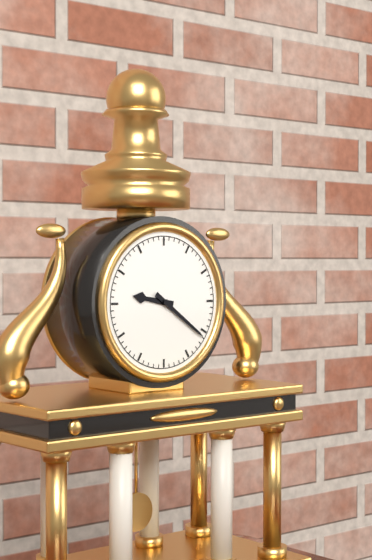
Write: 9:21
